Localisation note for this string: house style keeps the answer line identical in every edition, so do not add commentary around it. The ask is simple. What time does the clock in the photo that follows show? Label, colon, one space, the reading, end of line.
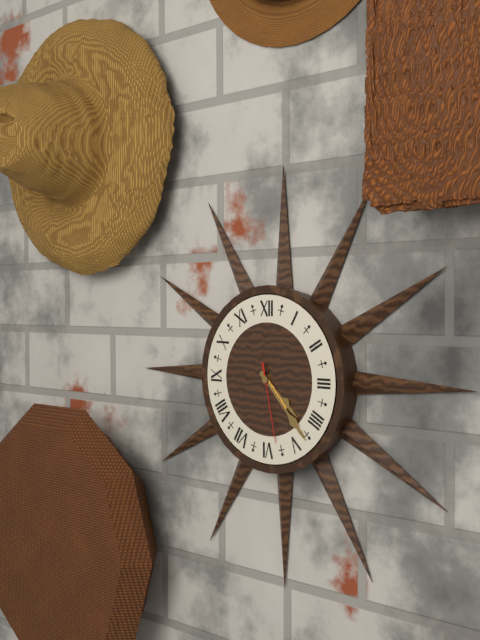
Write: 4:23:28
